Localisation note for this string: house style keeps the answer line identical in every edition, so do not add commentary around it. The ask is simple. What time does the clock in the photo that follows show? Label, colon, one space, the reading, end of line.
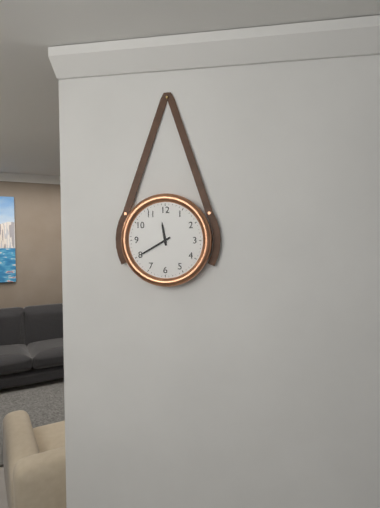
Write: 11:40
